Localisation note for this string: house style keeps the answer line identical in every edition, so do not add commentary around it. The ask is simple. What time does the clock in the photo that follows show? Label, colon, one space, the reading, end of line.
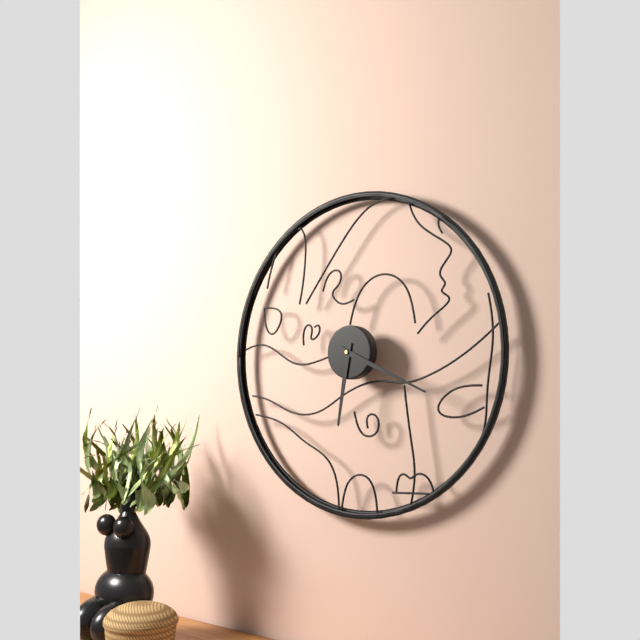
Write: 6:19
